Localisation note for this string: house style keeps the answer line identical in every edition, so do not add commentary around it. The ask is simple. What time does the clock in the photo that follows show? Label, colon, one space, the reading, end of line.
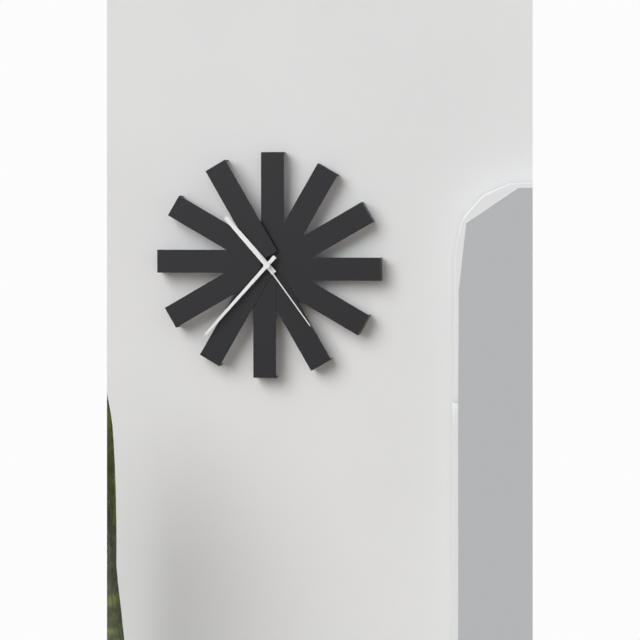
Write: 10:37:24
